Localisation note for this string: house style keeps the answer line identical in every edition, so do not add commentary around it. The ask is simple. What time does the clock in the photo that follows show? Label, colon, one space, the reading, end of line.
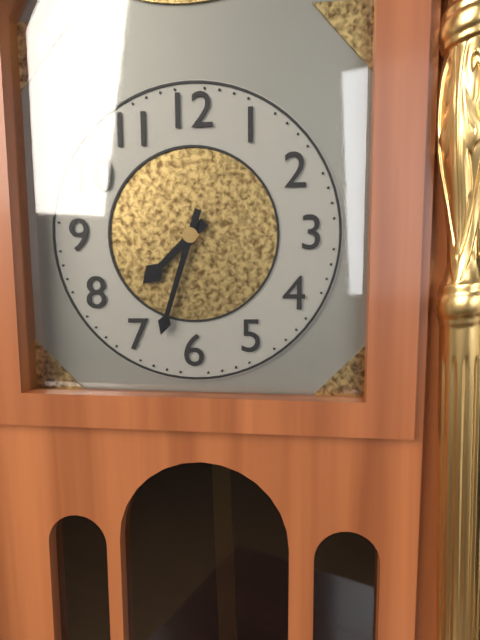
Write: 7:33
